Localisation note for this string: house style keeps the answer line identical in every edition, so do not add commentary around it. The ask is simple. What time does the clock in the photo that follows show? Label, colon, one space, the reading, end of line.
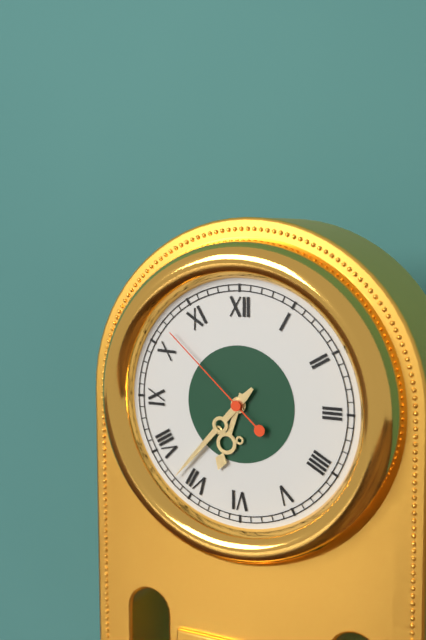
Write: 6:37:52
